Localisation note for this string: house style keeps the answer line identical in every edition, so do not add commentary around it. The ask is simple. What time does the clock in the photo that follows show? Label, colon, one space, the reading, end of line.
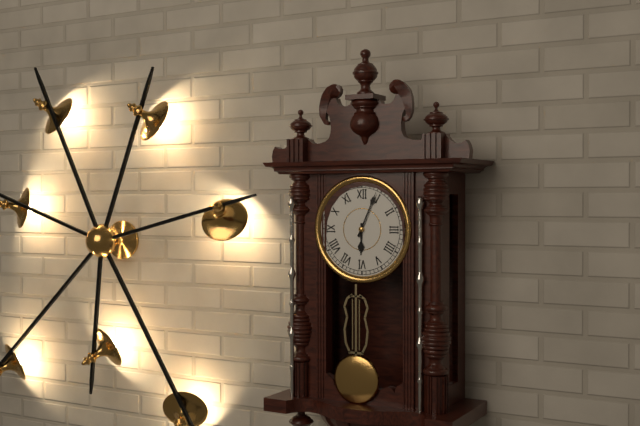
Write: 6:04
